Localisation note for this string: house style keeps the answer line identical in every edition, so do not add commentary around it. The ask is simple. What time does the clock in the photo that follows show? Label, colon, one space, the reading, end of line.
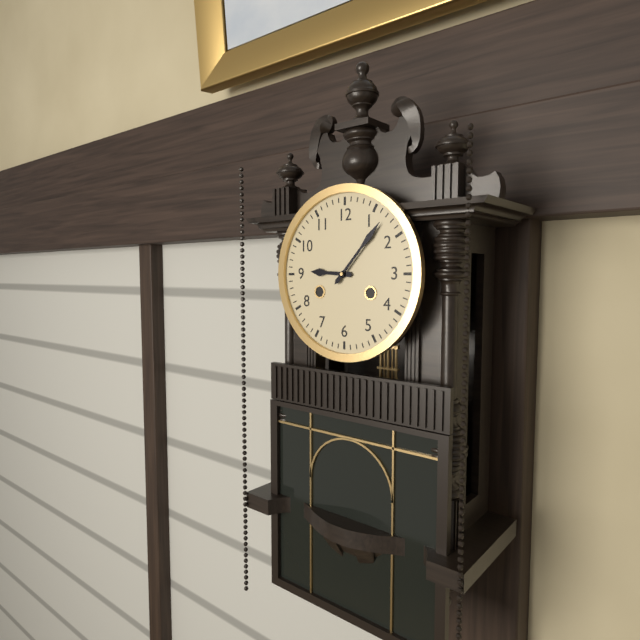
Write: 9:07
